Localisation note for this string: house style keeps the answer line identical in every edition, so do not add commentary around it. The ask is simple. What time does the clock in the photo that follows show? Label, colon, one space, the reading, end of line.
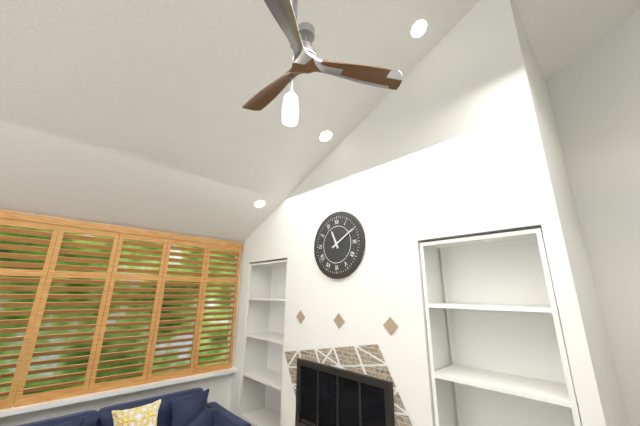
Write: 11:10
